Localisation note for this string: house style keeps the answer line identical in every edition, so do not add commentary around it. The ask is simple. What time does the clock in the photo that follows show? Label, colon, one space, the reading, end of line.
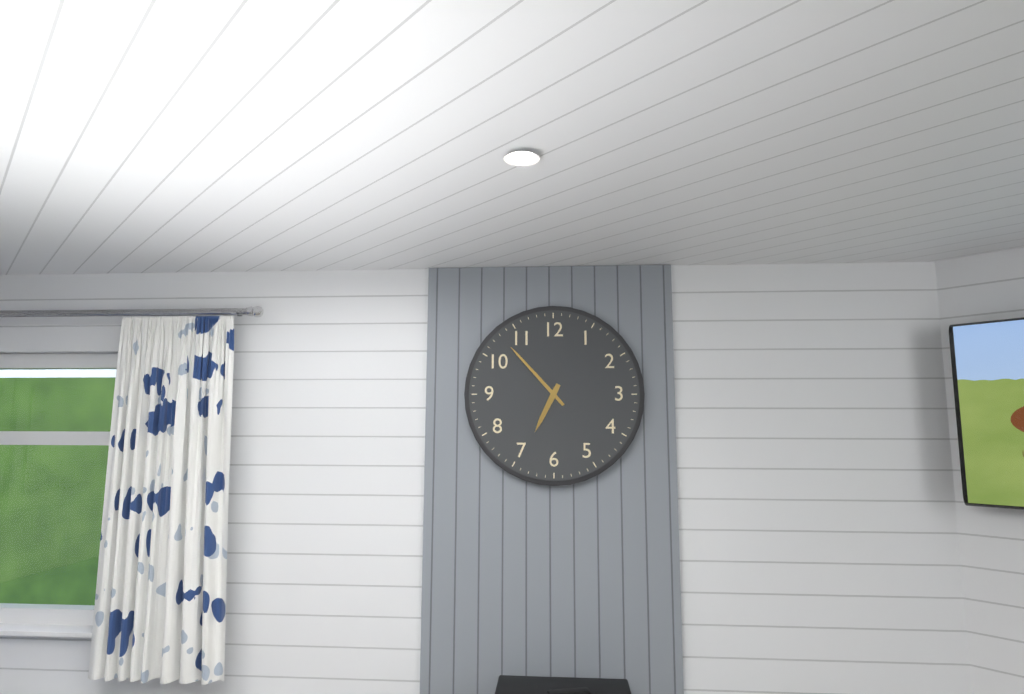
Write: 6:53
